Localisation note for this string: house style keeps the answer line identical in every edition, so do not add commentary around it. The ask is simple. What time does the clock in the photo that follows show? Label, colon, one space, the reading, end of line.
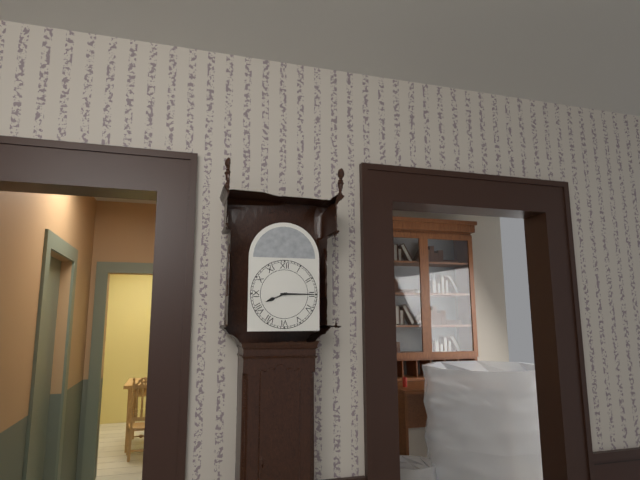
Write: 8:15
